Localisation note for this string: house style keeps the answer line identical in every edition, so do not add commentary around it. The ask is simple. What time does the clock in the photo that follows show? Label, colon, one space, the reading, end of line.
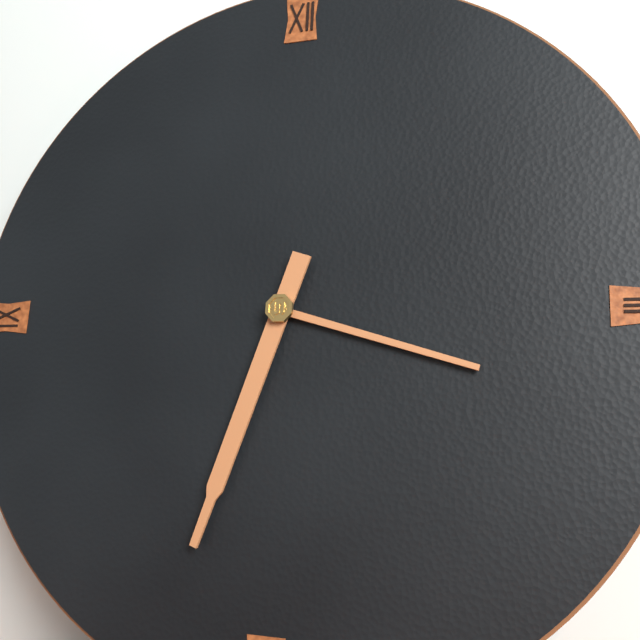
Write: 3:33
